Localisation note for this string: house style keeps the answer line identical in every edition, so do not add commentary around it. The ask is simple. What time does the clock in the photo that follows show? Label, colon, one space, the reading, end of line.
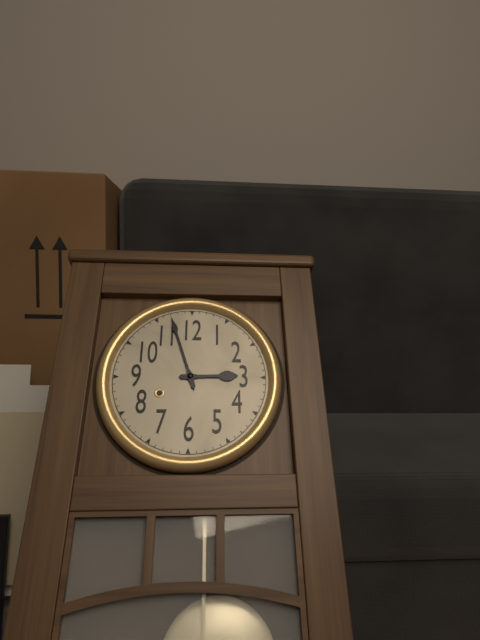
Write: 2:57
